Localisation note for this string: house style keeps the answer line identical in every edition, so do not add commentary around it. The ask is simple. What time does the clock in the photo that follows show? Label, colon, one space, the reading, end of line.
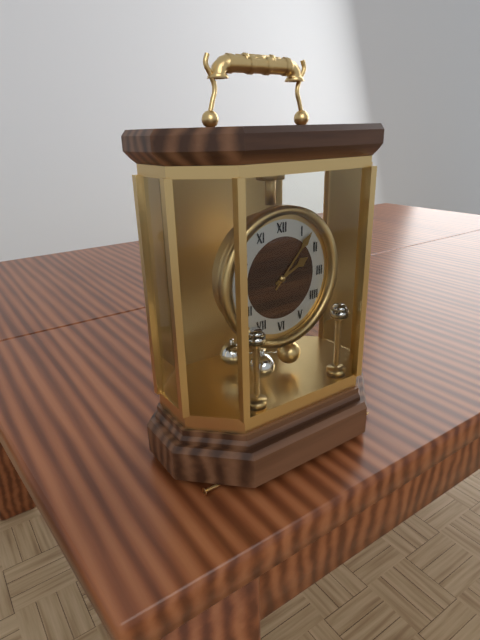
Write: 2:07
